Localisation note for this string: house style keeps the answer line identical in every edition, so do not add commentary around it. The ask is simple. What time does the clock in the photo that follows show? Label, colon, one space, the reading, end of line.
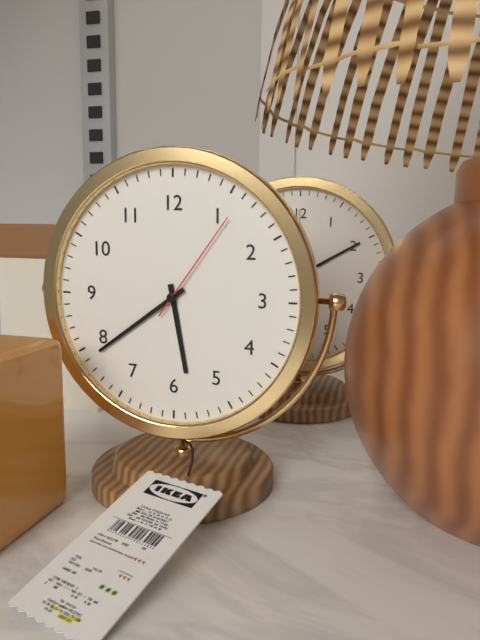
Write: 5:39:06
